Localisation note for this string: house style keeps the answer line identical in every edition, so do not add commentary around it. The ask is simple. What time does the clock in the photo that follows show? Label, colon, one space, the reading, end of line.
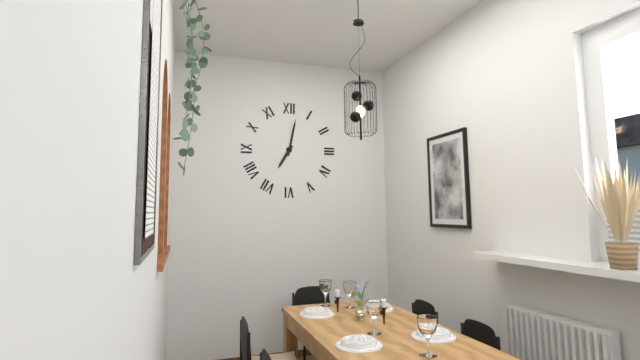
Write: 7:02
